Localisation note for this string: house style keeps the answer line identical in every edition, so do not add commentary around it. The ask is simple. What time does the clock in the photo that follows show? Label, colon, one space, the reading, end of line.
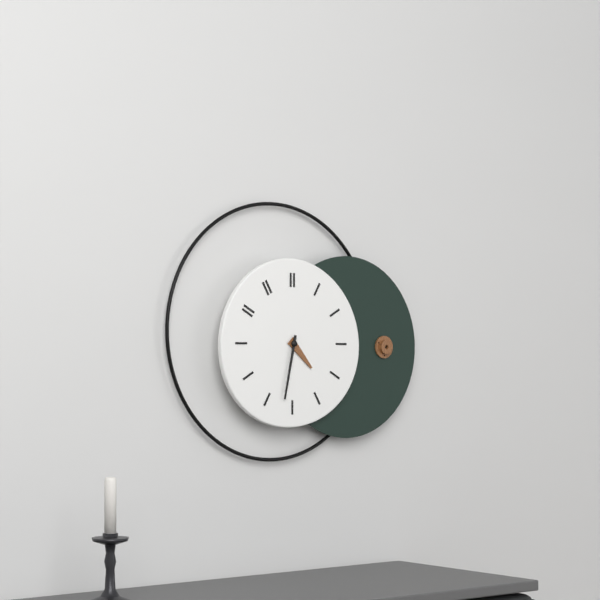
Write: 4:32
